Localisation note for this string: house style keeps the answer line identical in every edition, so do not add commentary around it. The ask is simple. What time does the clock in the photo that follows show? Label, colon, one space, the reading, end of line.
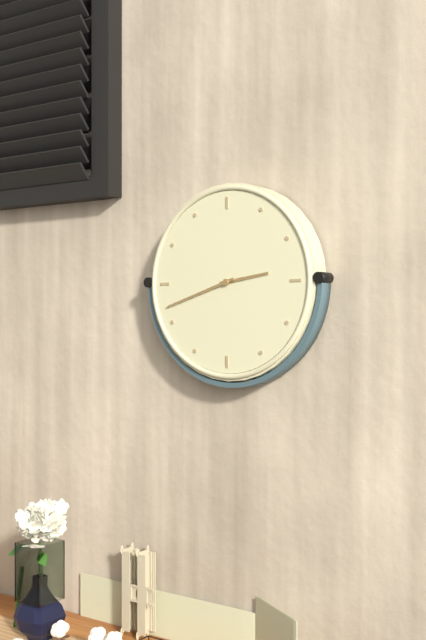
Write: 2:42
